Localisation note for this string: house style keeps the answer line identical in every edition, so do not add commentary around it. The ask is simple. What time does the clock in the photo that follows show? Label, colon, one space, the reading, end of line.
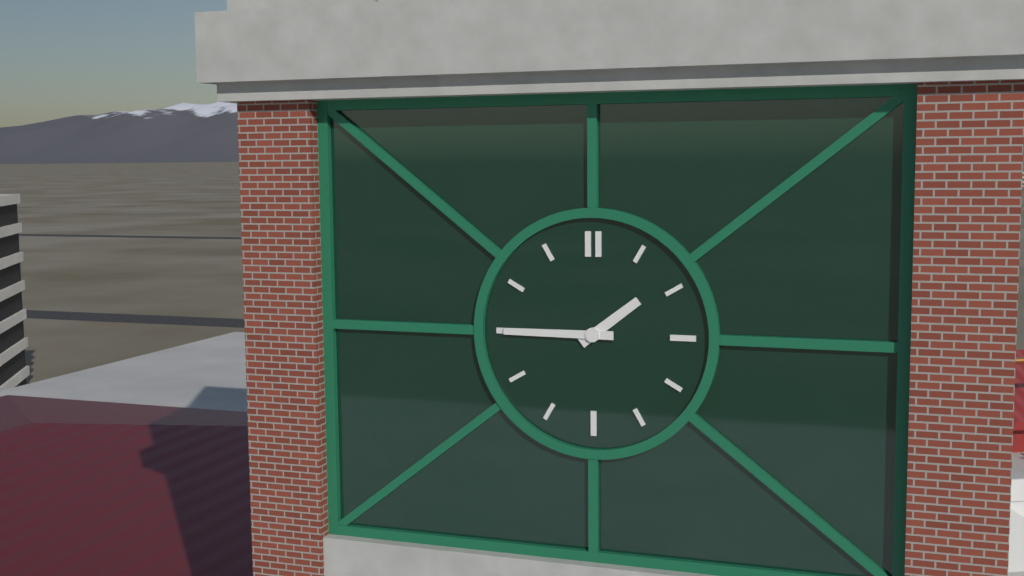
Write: 1:45
